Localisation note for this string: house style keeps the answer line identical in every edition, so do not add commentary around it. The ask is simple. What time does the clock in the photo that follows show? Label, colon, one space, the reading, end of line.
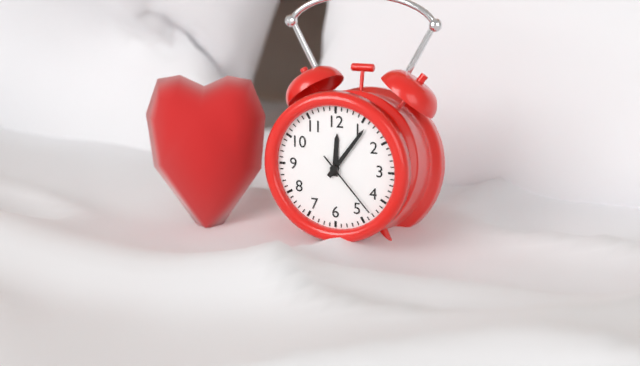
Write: 12:06:23
